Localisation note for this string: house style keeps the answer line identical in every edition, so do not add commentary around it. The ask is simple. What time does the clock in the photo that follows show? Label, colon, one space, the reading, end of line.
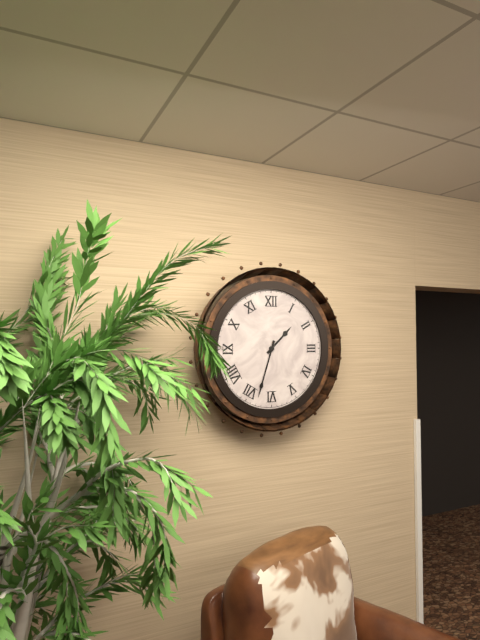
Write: 1:33
